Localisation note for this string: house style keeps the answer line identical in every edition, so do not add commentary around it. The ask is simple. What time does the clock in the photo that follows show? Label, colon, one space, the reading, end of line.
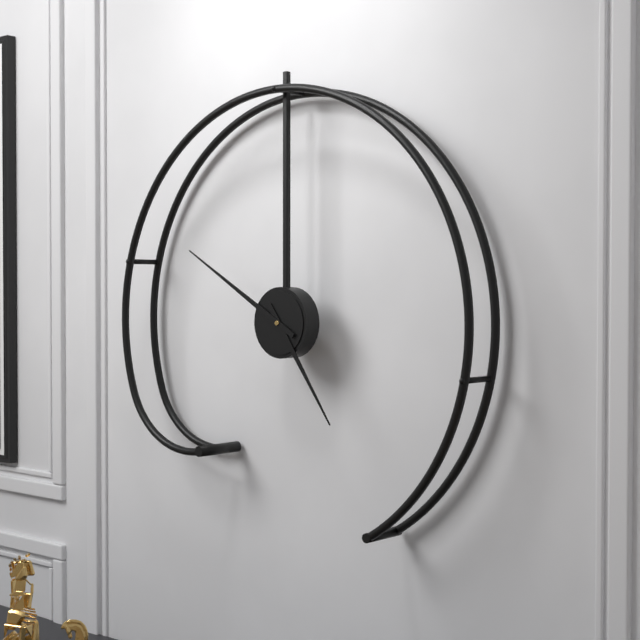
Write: 4:50
